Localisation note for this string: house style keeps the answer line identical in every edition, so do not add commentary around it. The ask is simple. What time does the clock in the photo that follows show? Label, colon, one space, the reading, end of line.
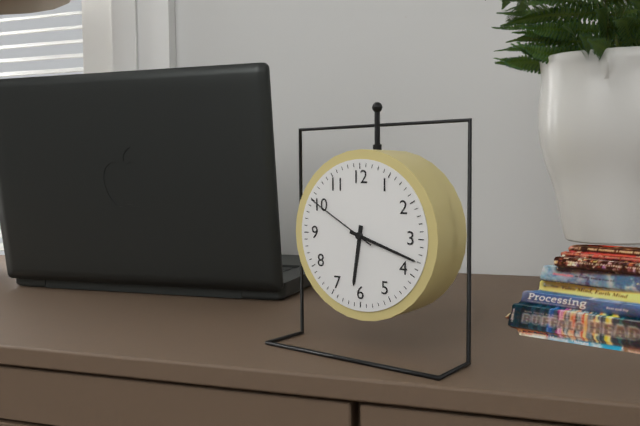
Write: 6:18:50
